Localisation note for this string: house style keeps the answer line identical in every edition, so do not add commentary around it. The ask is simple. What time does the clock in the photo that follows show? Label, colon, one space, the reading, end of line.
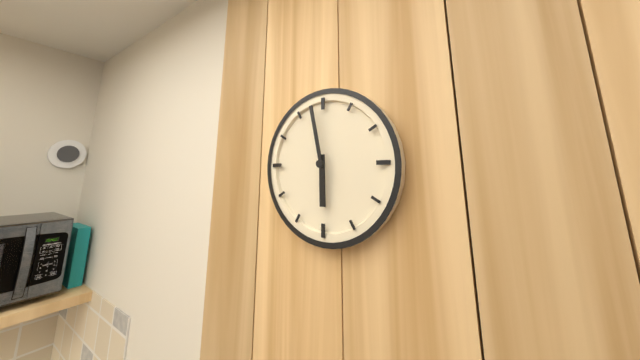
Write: 5:58
